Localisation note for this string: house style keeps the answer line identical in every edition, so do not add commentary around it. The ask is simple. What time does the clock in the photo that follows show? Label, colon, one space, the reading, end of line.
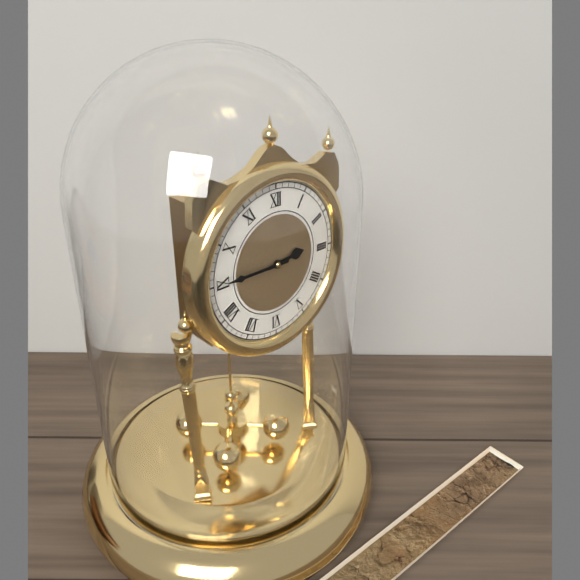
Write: 2:45
